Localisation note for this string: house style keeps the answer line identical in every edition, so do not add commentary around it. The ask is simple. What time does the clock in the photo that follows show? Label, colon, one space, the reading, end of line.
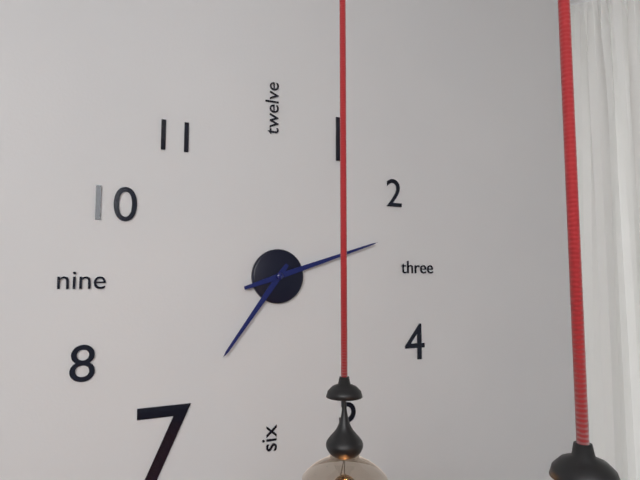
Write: 7:12
